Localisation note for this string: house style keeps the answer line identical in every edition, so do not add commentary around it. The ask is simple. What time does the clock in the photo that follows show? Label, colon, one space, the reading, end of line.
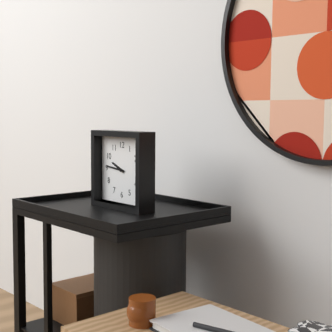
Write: 9:46
